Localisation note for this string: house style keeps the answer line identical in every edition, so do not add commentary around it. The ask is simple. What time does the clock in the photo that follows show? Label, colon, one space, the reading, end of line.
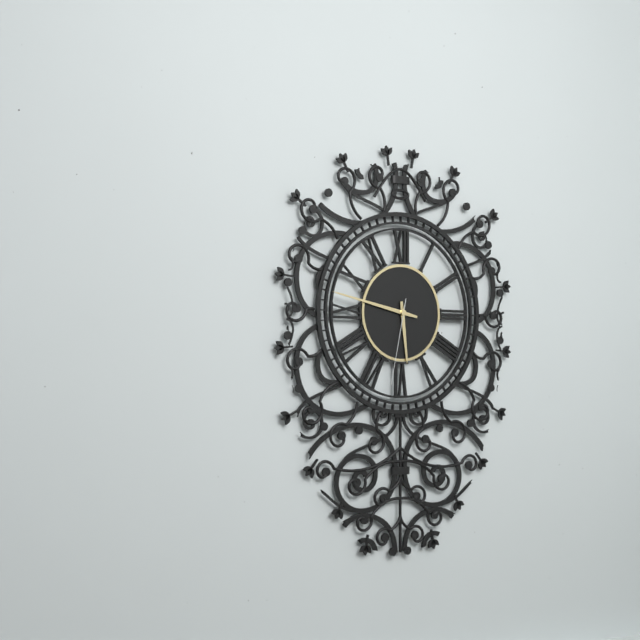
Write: 5:47:32
